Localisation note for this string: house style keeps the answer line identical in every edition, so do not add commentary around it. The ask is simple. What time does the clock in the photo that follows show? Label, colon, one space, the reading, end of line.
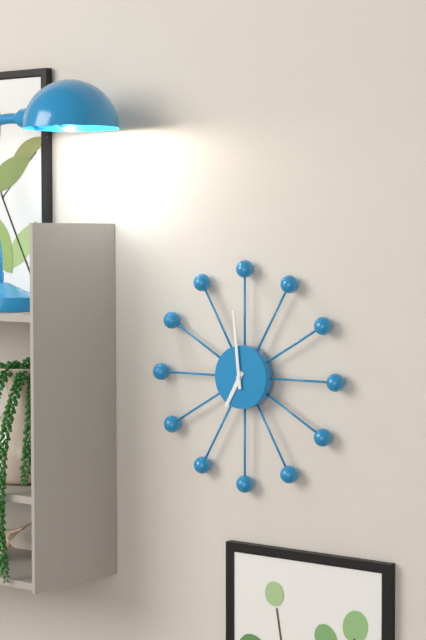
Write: 6:59
